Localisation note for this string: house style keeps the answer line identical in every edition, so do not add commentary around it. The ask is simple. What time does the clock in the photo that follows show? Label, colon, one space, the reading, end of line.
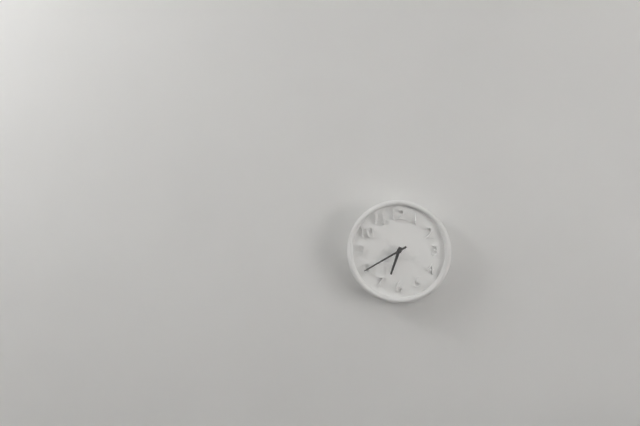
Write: 6:40
